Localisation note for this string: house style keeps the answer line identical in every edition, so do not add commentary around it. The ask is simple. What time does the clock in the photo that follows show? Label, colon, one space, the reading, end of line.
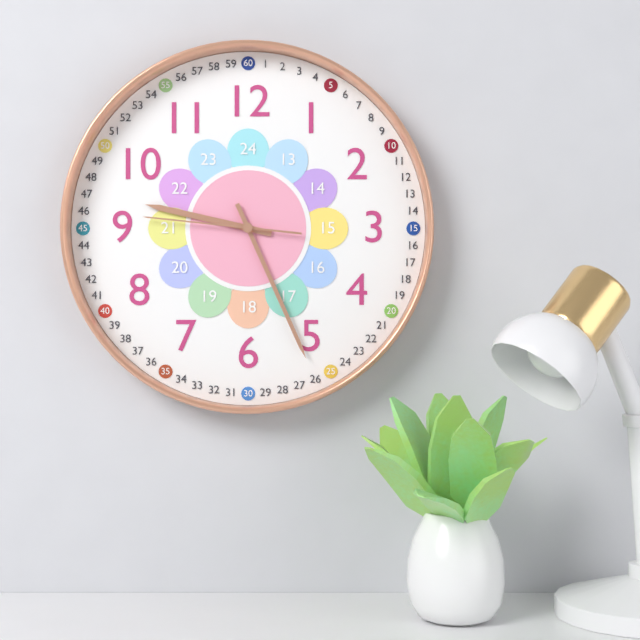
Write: 9:26:46
